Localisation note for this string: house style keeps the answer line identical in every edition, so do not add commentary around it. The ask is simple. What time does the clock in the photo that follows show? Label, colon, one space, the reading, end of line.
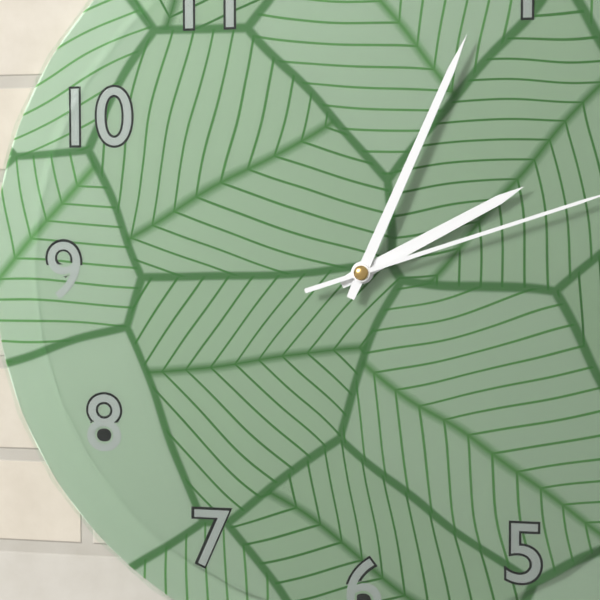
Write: 2:04
